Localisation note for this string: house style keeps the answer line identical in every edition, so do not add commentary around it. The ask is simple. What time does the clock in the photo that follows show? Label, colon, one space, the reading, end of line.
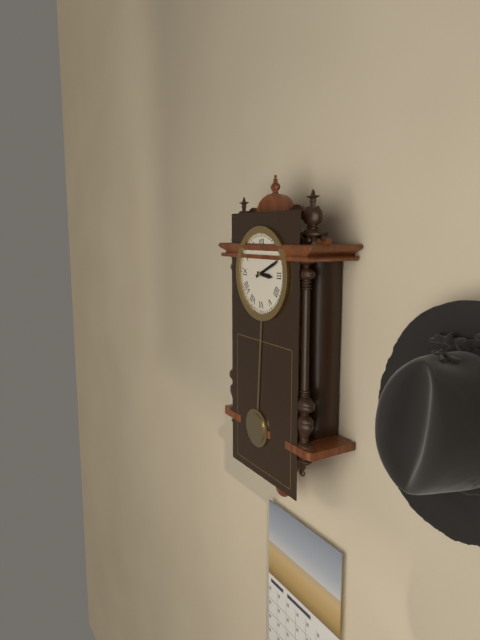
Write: 3:11
